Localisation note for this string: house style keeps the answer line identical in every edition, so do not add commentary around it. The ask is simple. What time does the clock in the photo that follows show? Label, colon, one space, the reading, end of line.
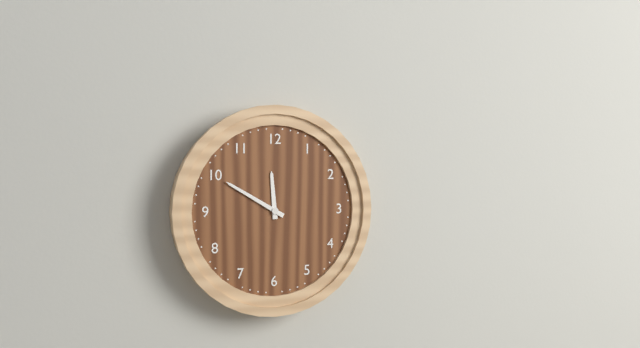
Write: 11:50
